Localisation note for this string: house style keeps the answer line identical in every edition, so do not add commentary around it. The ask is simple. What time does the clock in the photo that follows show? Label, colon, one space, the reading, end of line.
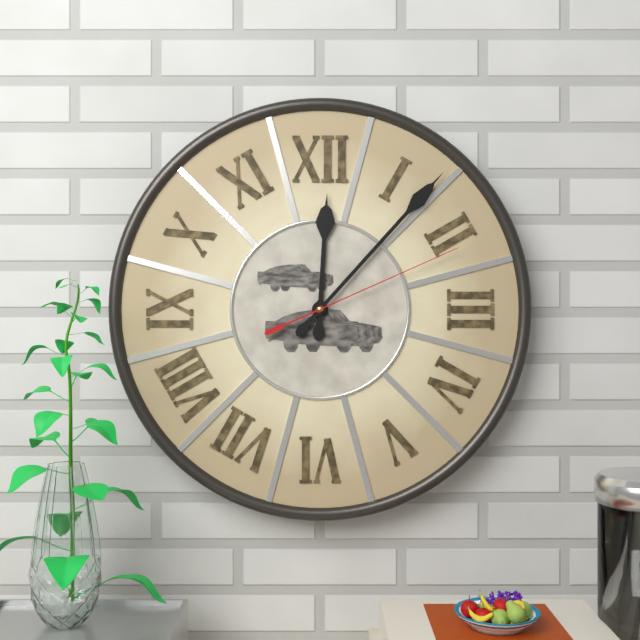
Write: 12:07:11
